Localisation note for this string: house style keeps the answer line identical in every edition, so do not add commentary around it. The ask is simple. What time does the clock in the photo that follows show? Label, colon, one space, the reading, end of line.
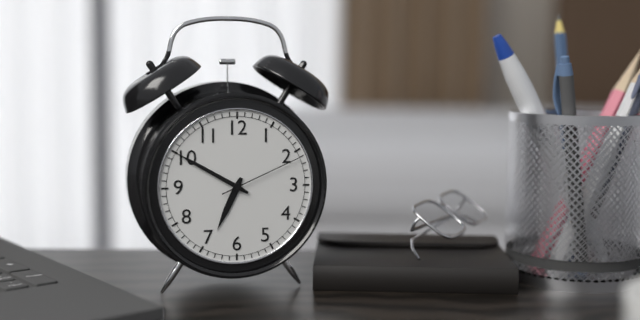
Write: 6:50:11
